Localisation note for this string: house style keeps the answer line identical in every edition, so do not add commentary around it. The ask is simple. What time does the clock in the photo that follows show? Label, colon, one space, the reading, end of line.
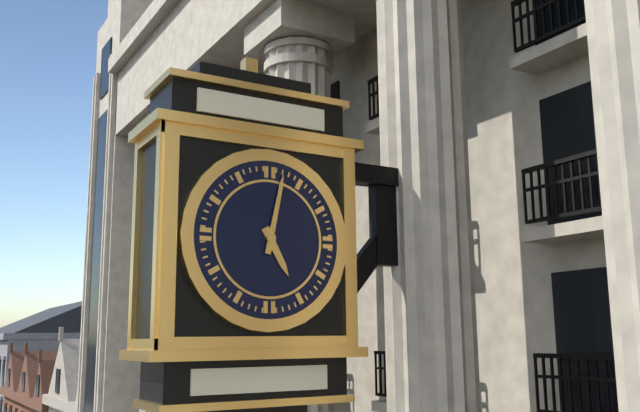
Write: 5:02
